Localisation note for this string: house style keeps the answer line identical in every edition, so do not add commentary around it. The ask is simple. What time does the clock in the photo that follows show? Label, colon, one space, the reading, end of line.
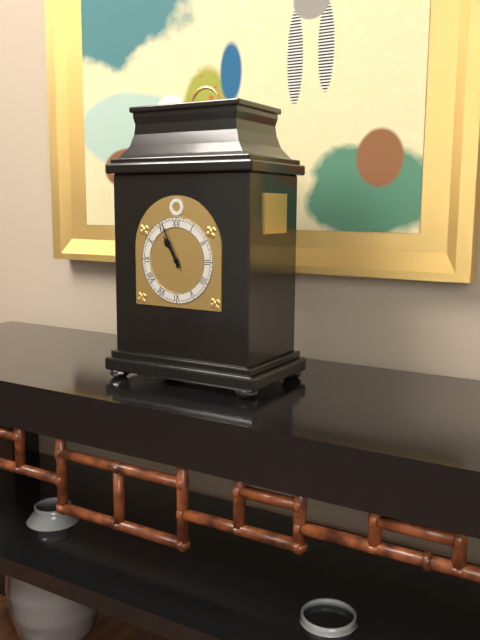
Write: 10:56
